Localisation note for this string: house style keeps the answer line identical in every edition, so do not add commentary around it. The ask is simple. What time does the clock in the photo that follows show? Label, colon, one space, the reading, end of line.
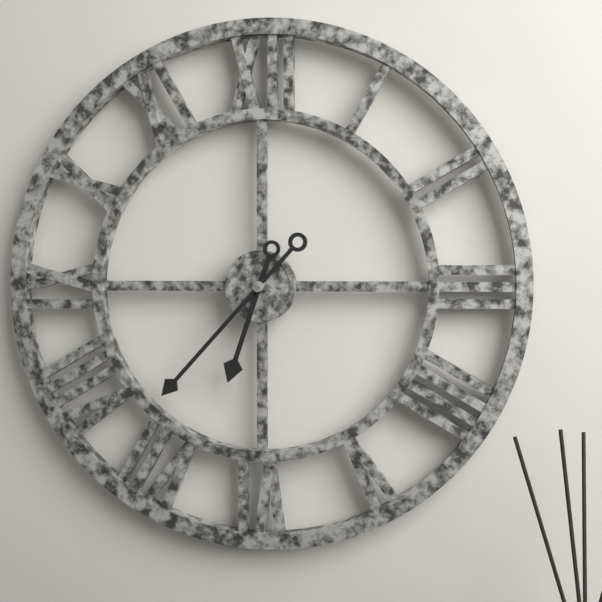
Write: 6:37
